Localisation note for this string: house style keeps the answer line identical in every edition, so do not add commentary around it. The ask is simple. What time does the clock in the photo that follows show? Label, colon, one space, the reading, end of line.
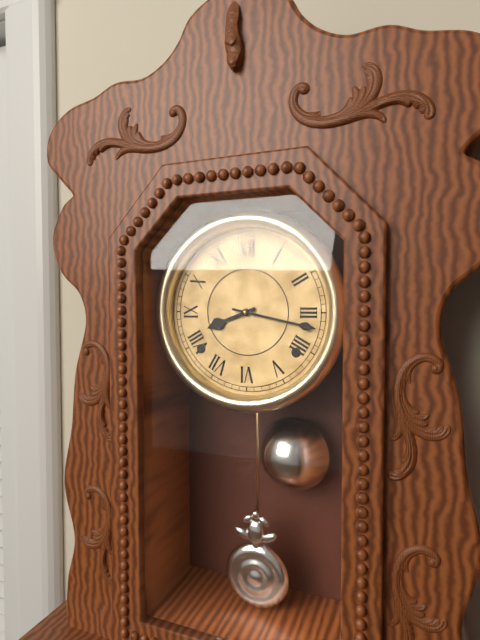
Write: 8:17
